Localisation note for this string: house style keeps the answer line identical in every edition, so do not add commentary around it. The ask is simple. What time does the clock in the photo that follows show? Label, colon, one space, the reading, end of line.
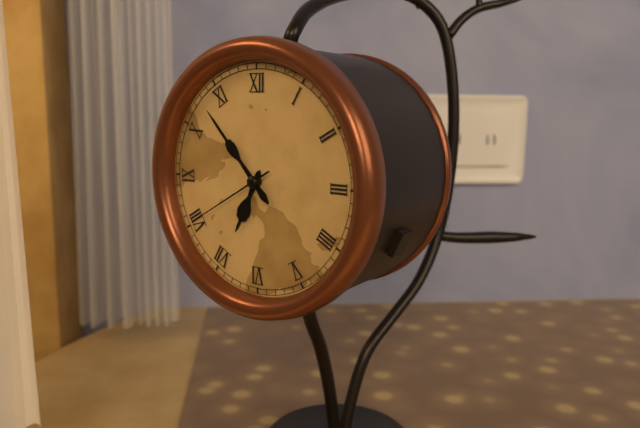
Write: 6:53:40
